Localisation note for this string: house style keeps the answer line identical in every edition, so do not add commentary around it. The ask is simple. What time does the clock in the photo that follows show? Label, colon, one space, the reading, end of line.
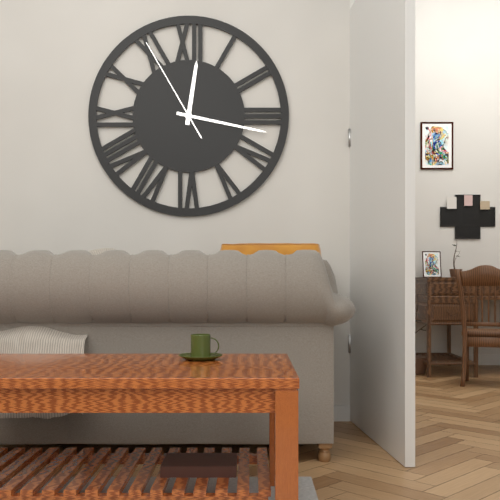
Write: 12:17:55
